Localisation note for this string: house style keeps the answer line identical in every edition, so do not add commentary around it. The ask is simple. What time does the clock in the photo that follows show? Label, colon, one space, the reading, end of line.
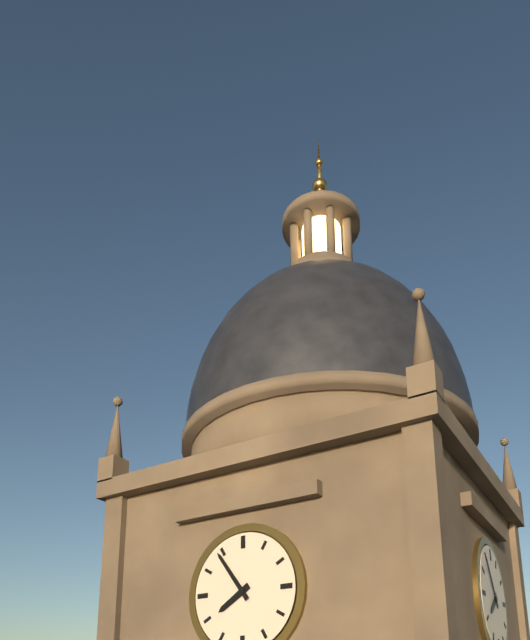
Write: 7:54
